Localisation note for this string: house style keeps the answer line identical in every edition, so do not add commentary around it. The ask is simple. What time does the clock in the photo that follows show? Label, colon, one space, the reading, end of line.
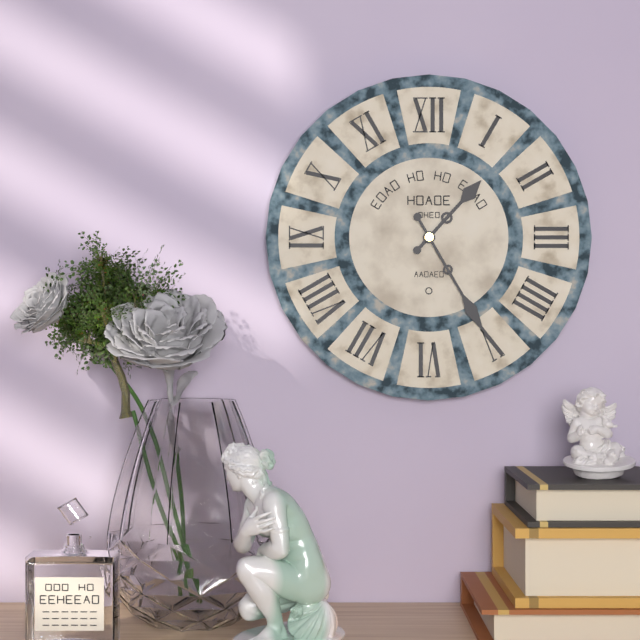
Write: 1:25
